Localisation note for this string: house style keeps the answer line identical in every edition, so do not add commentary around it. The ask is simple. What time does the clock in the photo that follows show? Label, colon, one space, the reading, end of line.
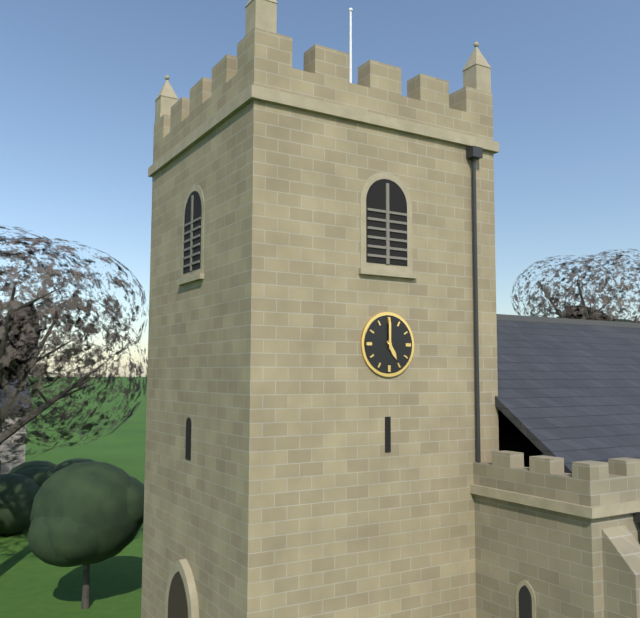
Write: 5:00
